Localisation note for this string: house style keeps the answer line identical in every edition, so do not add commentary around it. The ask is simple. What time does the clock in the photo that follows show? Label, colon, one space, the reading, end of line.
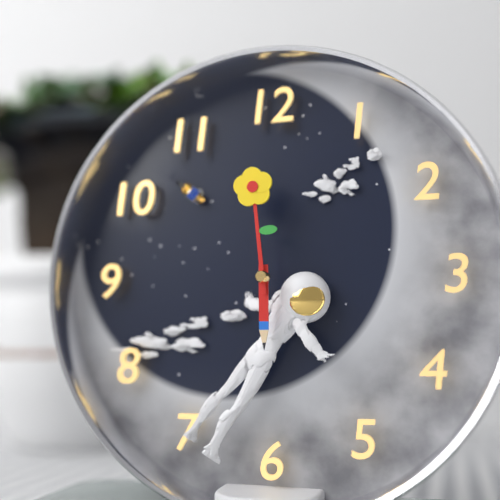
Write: 5:59
